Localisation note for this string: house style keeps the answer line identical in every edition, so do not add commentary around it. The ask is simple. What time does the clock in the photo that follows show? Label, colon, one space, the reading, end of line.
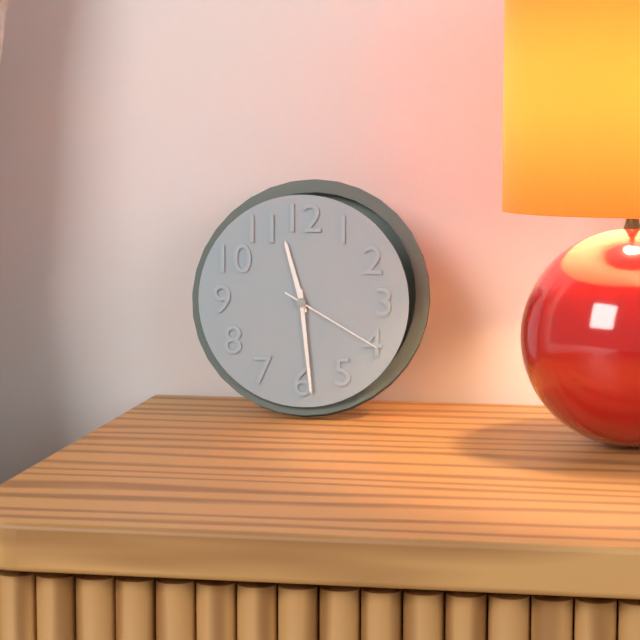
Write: 11:29:20
